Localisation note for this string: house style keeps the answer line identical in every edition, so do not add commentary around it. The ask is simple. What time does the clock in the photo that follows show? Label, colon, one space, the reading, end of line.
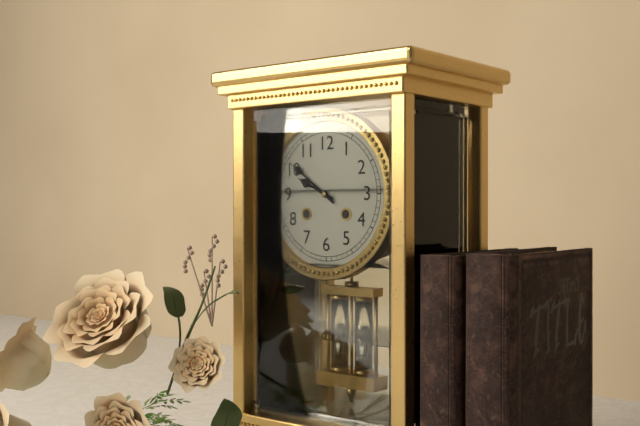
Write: 9:51
